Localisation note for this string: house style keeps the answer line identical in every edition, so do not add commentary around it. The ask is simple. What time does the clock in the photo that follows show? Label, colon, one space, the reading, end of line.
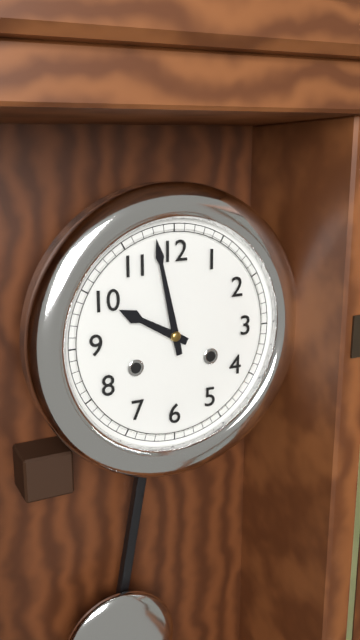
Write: 9:58
